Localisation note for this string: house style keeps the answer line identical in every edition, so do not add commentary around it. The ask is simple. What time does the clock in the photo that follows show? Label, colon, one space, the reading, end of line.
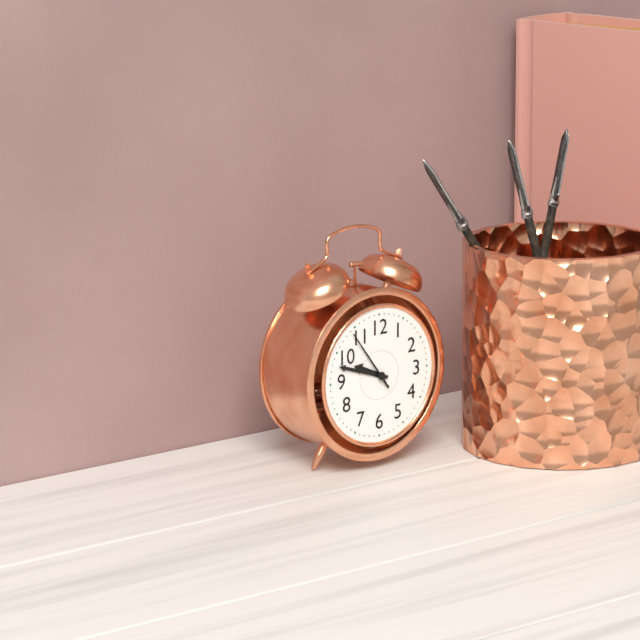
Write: 9:48:54
